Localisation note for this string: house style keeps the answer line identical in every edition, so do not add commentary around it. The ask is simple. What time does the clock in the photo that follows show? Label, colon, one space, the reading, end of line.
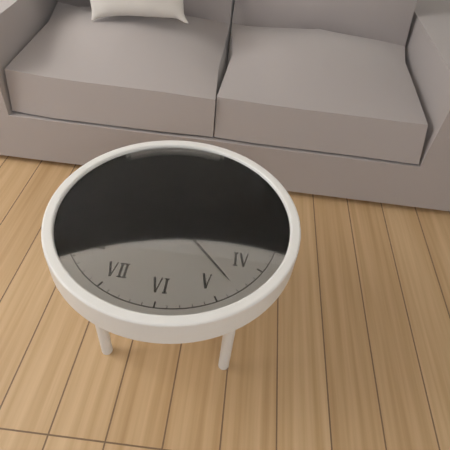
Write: 11:23
